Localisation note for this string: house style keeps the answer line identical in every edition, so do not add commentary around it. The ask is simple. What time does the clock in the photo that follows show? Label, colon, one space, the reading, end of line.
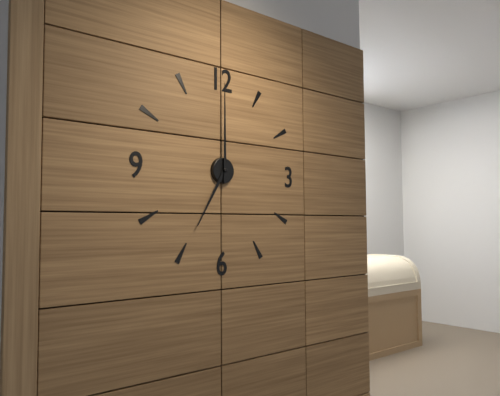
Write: 7:00
